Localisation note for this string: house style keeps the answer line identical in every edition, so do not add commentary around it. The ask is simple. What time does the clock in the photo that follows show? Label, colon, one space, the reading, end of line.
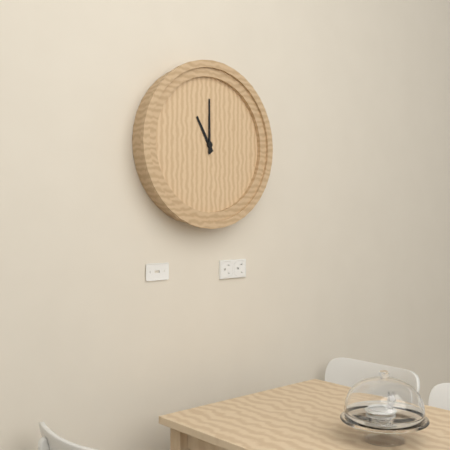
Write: 11:00
